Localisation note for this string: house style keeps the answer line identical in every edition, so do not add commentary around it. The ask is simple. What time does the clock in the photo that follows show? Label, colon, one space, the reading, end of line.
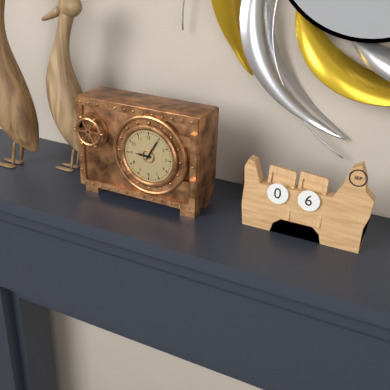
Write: 9:05
